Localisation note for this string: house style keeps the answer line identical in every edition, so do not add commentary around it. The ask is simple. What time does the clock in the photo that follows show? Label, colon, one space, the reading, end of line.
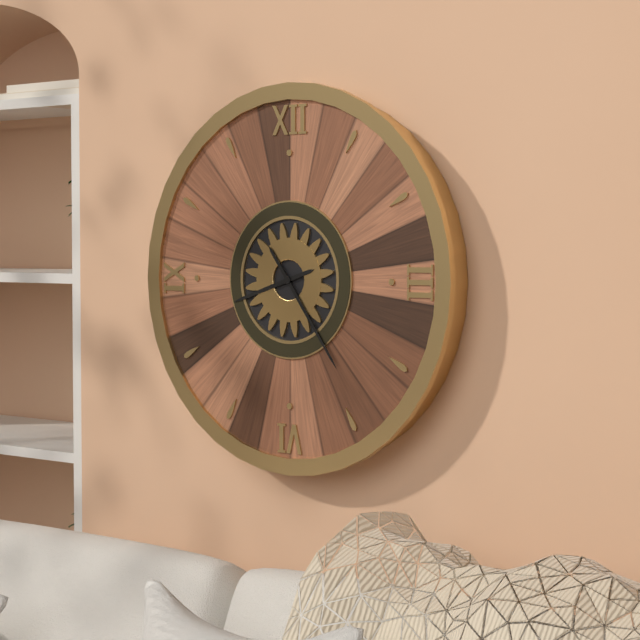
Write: 8:24
